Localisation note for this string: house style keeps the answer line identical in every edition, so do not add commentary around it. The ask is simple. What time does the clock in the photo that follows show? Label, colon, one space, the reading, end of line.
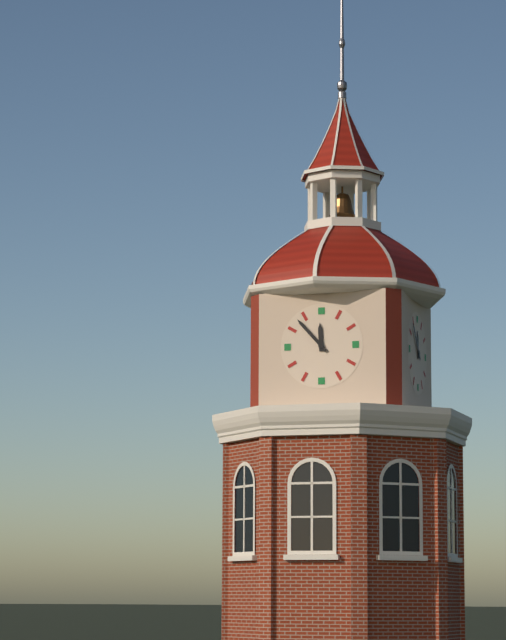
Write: 11:53
